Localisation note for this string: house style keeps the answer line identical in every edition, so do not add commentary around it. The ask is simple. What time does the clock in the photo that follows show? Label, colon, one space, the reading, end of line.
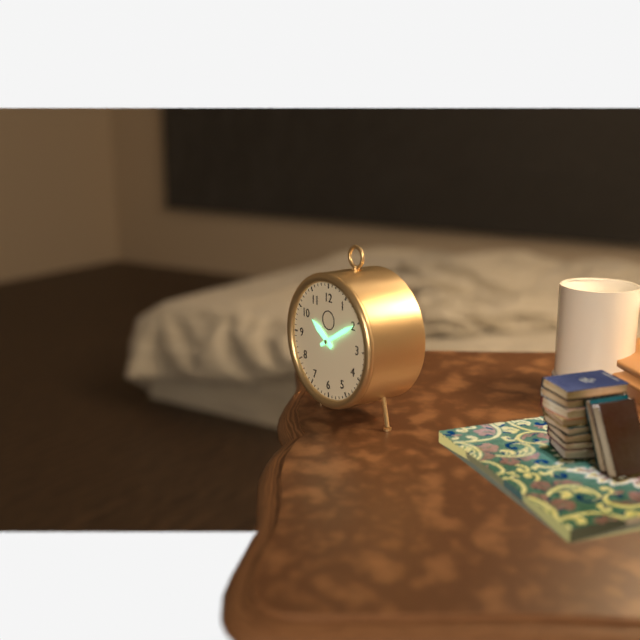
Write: 10:10
